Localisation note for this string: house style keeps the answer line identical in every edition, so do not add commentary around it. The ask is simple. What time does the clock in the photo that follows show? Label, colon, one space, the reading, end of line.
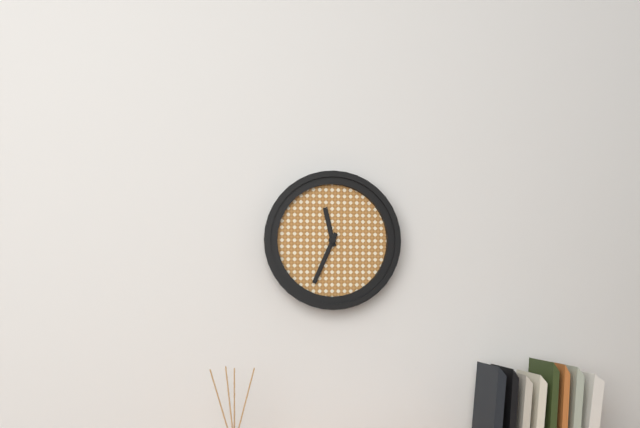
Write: 11:34
